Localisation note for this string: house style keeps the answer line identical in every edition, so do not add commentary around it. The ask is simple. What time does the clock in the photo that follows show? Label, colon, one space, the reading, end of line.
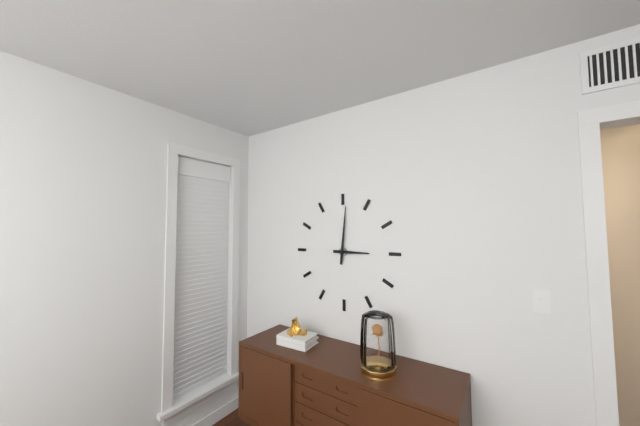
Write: 3:01
